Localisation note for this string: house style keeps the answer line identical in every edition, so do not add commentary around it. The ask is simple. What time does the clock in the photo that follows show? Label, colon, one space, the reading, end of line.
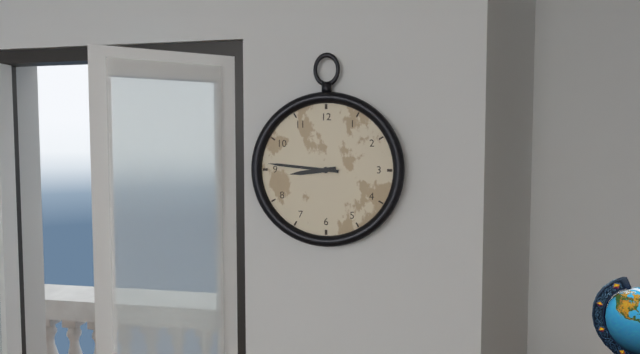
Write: 8:46
